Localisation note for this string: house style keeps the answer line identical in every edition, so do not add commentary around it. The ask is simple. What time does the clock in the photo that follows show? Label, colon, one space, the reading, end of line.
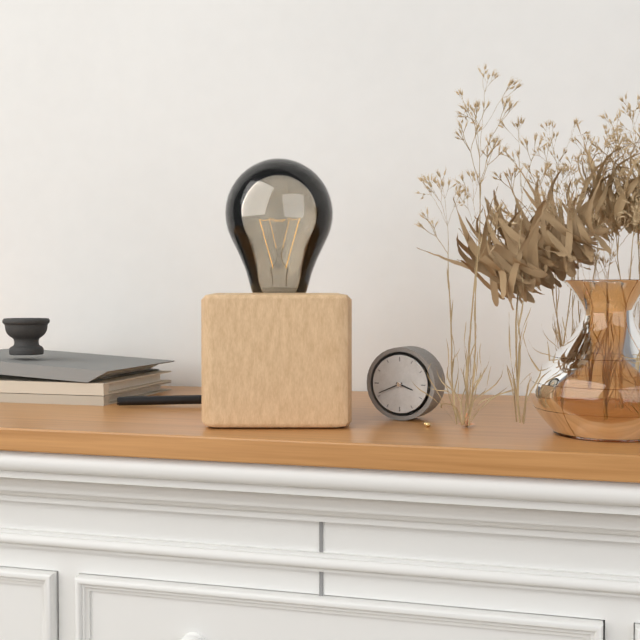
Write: 3:41
